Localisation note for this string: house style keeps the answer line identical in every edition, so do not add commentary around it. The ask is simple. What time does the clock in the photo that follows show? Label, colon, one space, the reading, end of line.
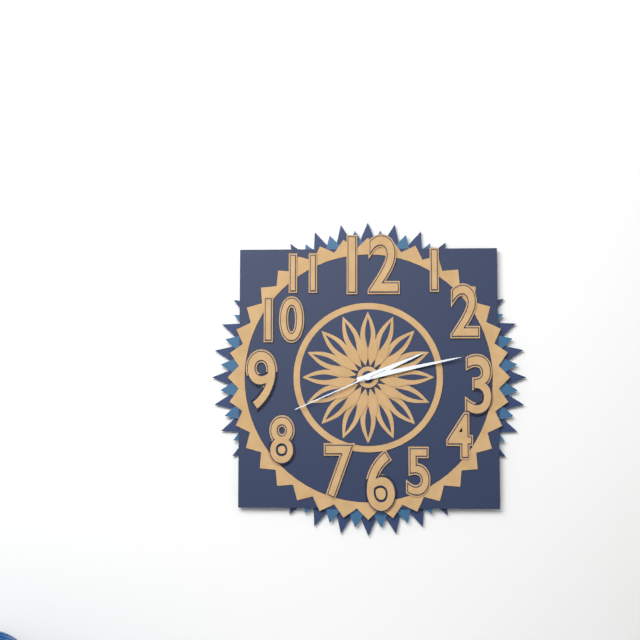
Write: 2:13:41
